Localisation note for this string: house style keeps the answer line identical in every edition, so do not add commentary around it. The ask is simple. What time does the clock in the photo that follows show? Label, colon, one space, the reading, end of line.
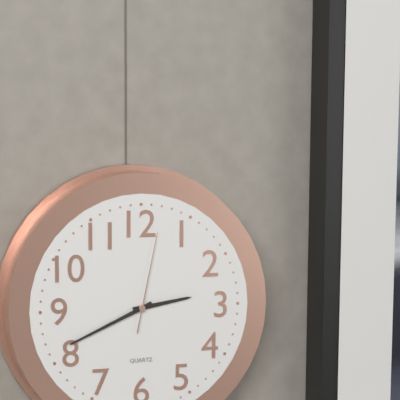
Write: 2:41:02
